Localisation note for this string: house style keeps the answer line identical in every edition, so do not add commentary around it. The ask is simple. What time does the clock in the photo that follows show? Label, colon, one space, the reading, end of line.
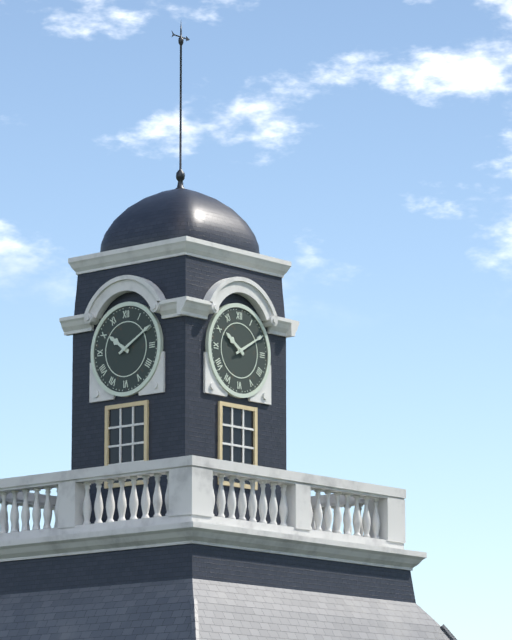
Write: 10:10
